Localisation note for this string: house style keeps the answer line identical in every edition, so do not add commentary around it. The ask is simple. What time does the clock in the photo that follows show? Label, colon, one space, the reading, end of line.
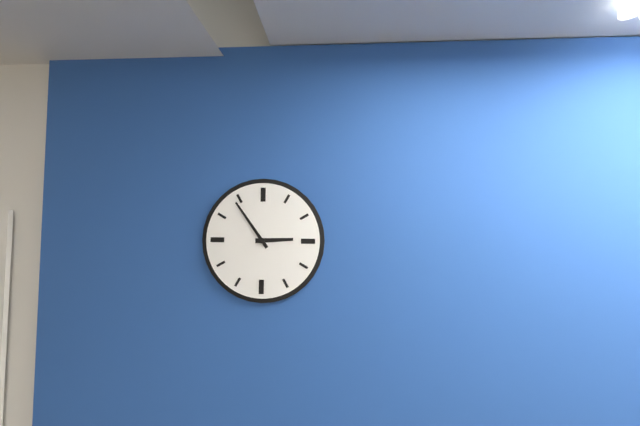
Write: 2:54
